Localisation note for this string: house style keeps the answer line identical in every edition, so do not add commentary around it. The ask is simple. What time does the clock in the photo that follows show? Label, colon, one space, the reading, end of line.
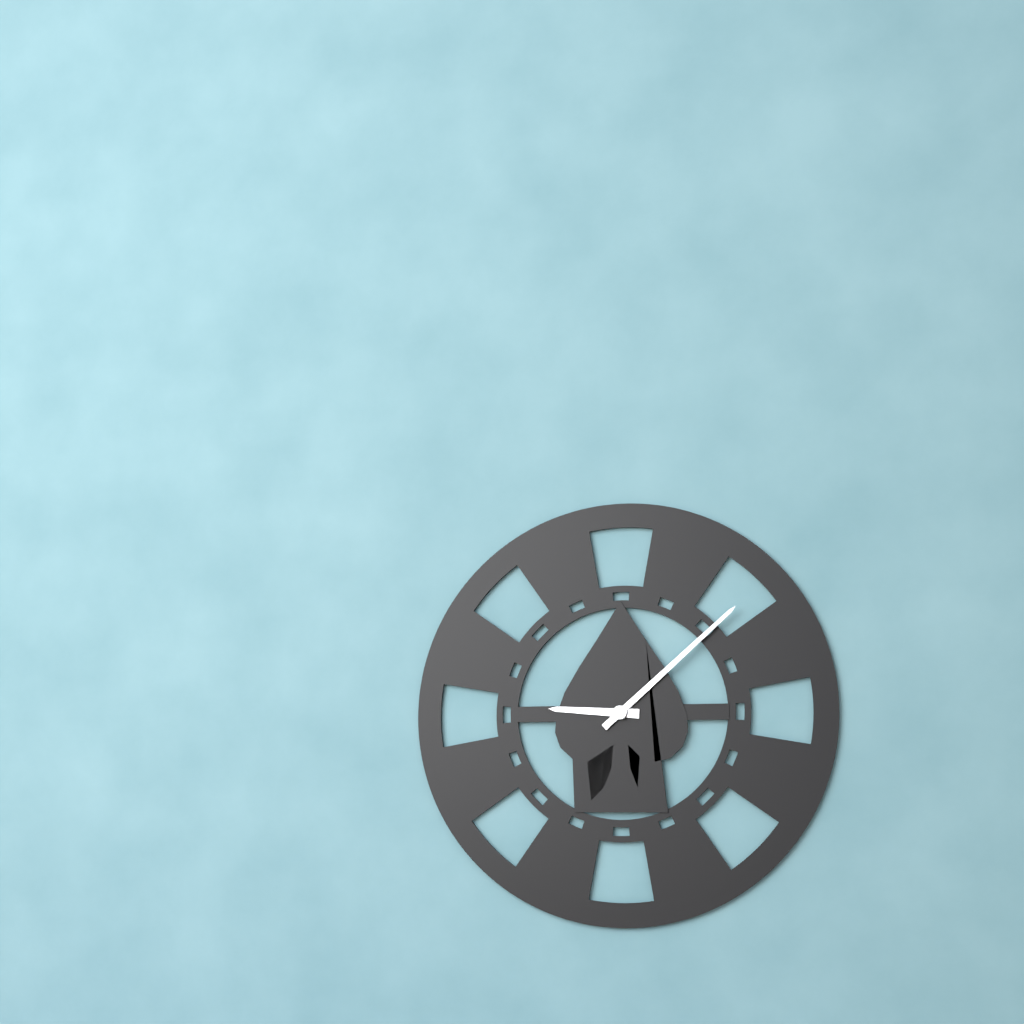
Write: 9:08
